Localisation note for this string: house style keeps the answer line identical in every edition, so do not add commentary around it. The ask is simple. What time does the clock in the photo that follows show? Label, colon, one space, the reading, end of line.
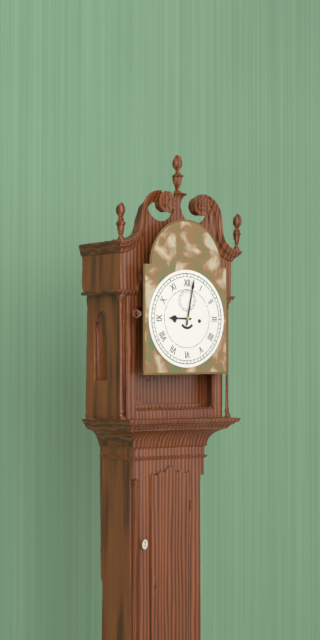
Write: 9:02
